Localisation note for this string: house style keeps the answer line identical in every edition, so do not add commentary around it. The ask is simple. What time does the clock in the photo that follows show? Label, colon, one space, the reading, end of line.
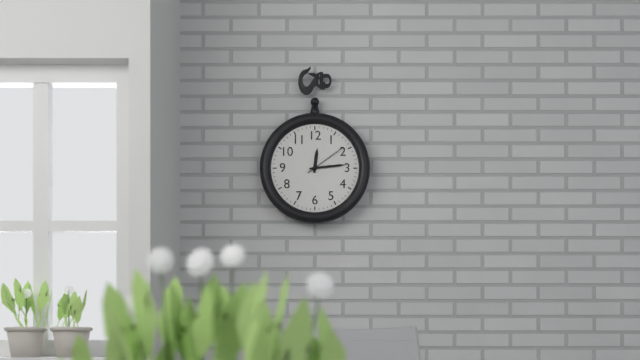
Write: 12:14
